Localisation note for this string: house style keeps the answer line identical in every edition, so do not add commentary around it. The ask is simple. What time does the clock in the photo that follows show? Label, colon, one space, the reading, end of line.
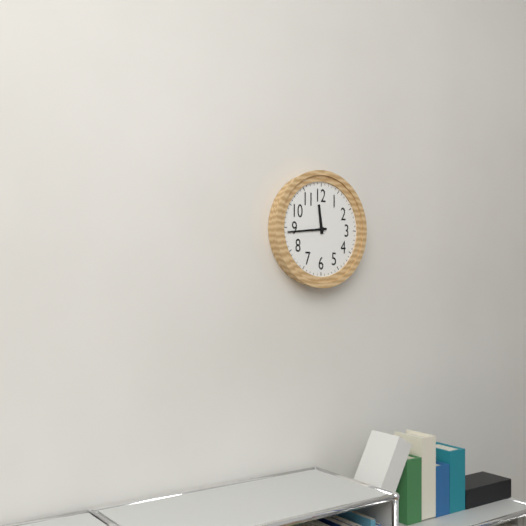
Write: 11:44
